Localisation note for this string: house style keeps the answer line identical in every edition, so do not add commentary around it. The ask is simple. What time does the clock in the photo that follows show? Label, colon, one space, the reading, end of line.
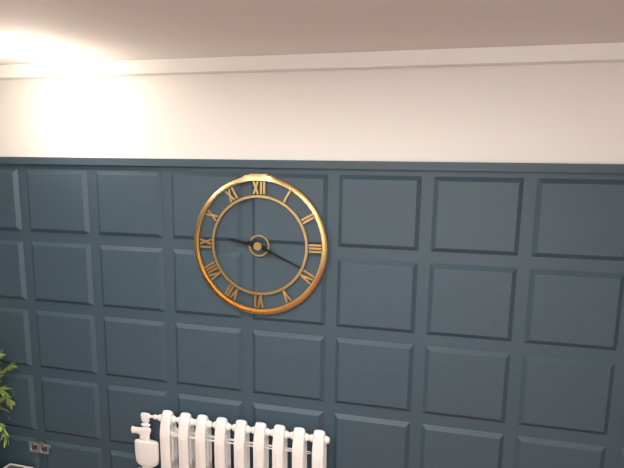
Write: 9:19
